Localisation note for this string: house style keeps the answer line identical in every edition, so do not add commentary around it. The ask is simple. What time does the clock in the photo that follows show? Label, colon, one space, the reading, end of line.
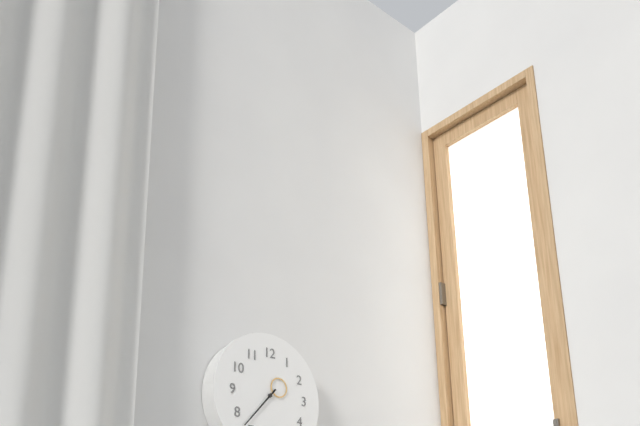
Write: 1:37
